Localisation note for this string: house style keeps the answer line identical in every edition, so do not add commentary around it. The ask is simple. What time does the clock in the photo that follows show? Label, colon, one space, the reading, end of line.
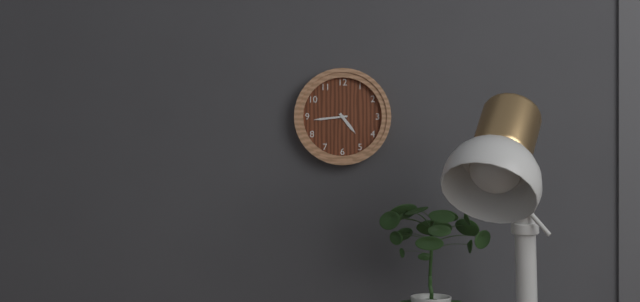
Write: 4:44
